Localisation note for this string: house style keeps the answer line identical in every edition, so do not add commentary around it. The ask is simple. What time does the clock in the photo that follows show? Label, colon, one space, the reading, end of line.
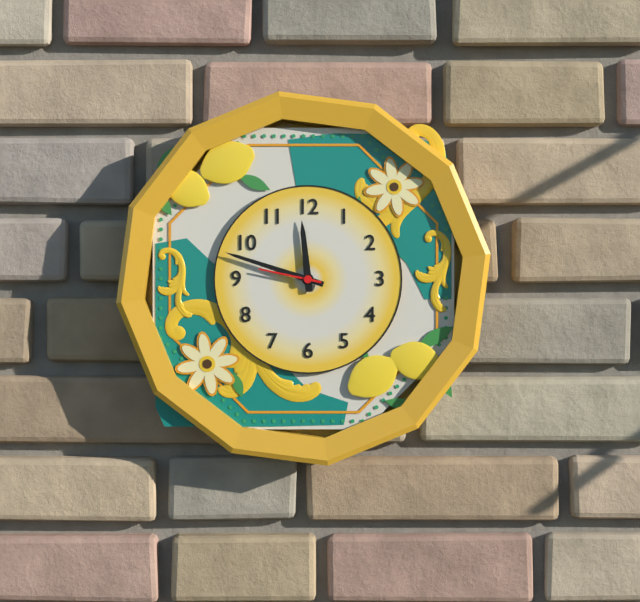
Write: 11:48:47
